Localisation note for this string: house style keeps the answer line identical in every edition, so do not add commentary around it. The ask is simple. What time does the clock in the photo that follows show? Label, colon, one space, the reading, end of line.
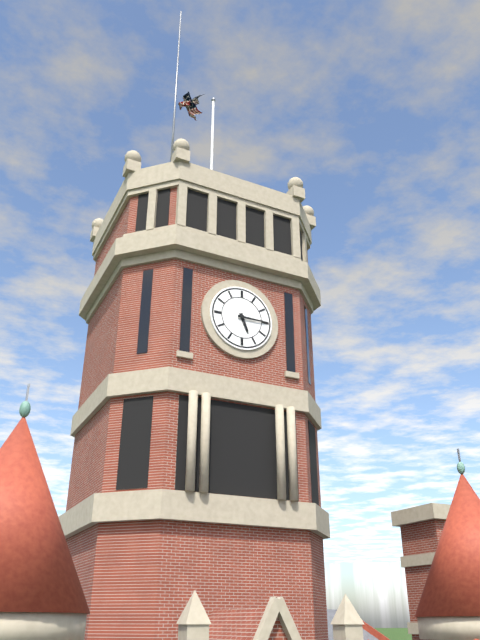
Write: 5:15
